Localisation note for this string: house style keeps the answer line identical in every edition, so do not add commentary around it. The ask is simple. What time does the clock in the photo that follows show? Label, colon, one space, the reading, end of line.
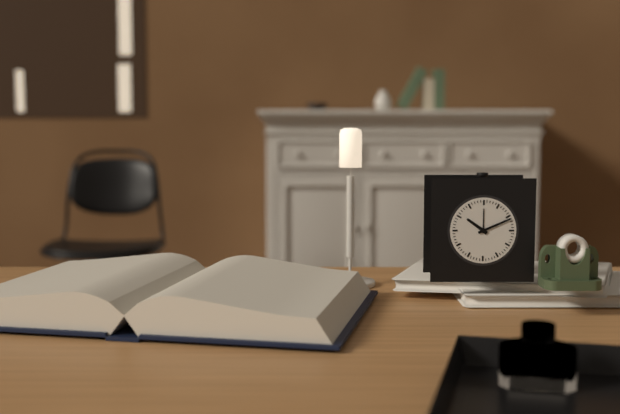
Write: 10:11
